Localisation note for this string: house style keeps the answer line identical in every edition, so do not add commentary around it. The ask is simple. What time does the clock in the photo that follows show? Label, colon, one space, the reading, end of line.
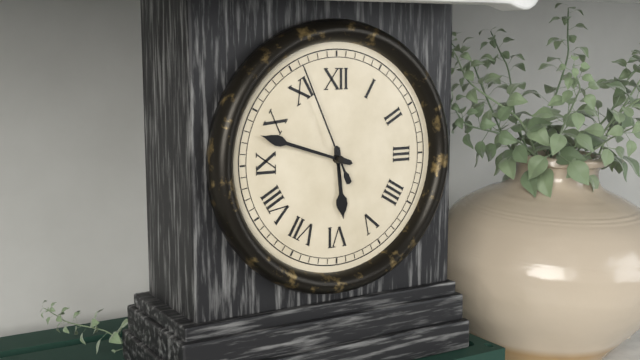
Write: 5:48:56
